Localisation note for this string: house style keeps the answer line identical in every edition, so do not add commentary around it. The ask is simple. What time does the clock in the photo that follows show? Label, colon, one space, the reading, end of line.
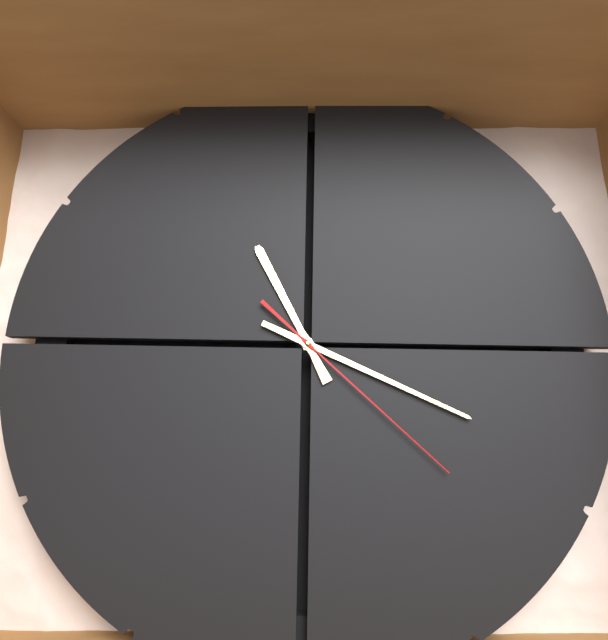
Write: 8:04:07
